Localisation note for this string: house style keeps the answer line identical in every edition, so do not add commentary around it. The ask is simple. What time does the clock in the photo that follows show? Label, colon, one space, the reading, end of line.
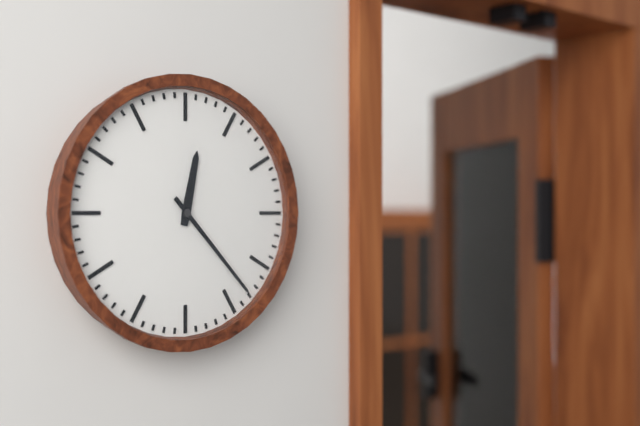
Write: 12:23
